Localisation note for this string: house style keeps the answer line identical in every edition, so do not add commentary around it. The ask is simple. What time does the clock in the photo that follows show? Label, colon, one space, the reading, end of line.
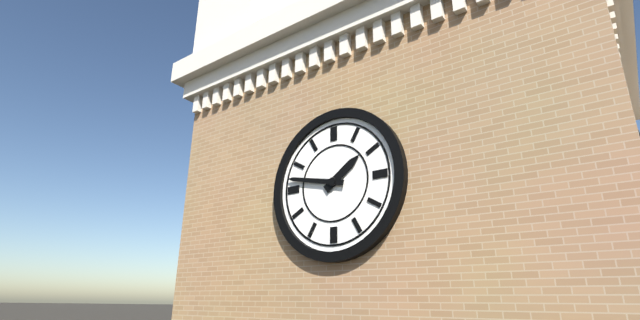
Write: 1:47
